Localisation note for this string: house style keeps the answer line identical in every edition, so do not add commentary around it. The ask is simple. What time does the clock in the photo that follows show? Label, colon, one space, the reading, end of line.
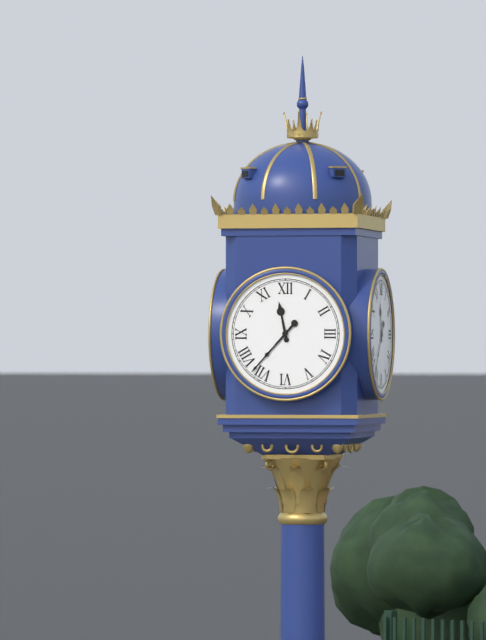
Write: 11:37
